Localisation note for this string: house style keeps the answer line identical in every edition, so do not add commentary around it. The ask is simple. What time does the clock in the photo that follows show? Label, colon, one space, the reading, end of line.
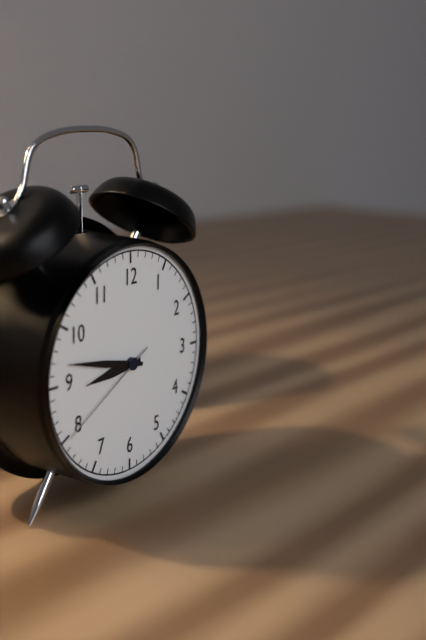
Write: 8:47:40
